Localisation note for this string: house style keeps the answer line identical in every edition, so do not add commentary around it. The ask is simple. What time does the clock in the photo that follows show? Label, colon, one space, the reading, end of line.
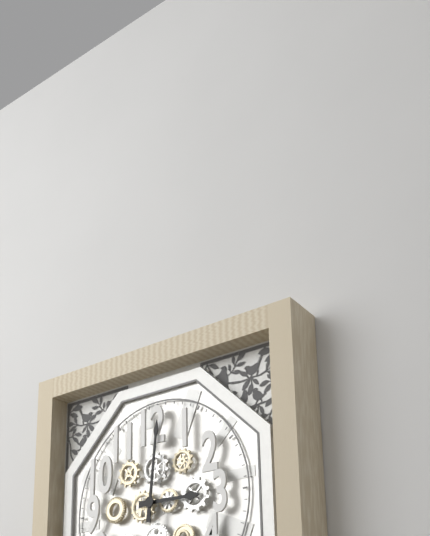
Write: 3:01
